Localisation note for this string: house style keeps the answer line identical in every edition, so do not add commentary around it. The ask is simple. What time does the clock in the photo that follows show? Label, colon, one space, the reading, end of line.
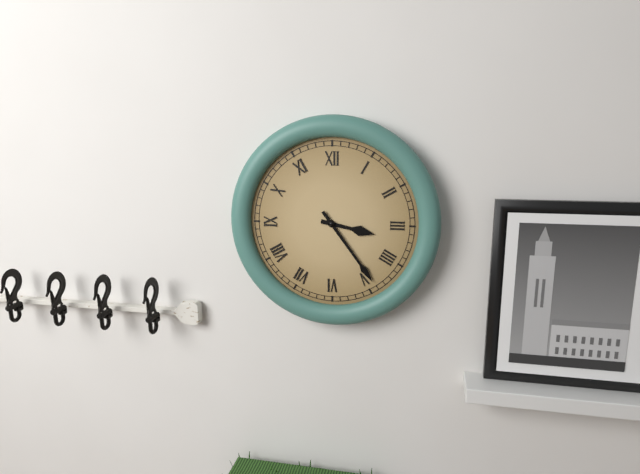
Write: 3:24
